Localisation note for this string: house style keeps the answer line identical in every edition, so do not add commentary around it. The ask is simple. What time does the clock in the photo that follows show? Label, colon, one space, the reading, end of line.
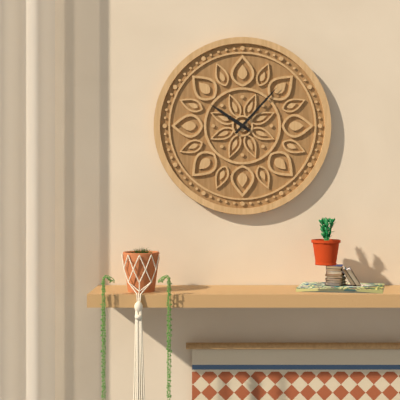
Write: 10:07
